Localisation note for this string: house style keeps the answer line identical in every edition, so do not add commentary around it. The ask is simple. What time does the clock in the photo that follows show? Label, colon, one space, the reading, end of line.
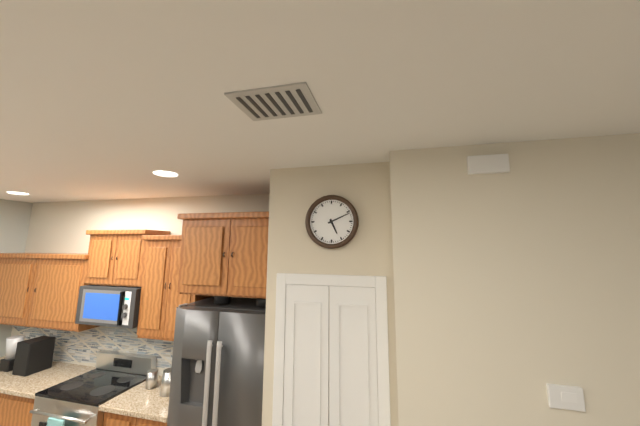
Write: 5:11
